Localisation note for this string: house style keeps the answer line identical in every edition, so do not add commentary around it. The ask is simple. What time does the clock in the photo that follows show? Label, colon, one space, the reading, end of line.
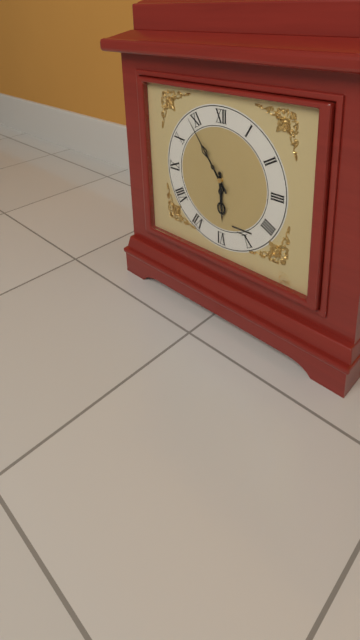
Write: 5:54
